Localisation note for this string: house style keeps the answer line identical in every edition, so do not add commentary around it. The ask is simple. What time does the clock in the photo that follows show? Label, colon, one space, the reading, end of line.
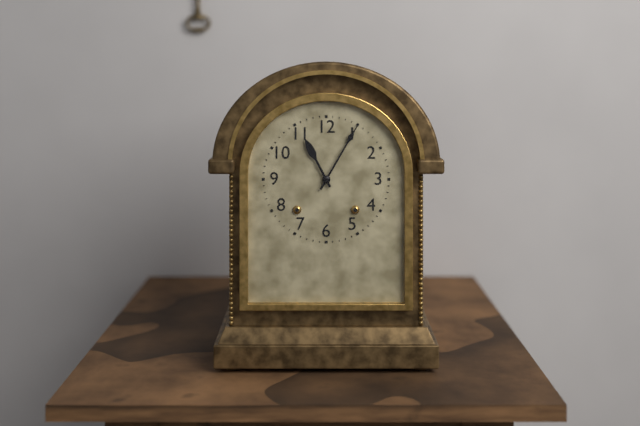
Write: 11:05
